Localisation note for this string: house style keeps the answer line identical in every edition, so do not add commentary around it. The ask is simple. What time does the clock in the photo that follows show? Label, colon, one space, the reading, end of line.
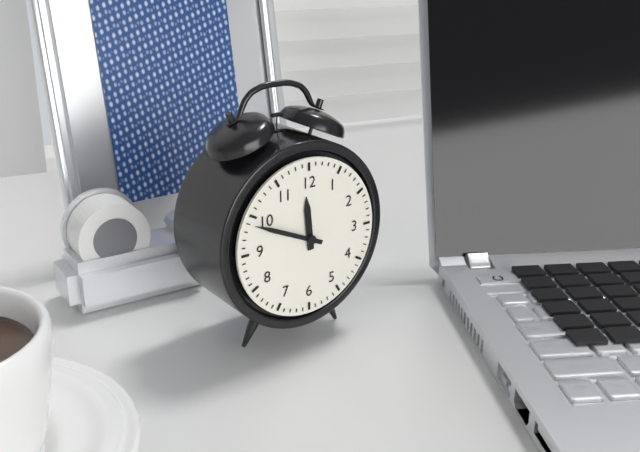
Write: 11:49
